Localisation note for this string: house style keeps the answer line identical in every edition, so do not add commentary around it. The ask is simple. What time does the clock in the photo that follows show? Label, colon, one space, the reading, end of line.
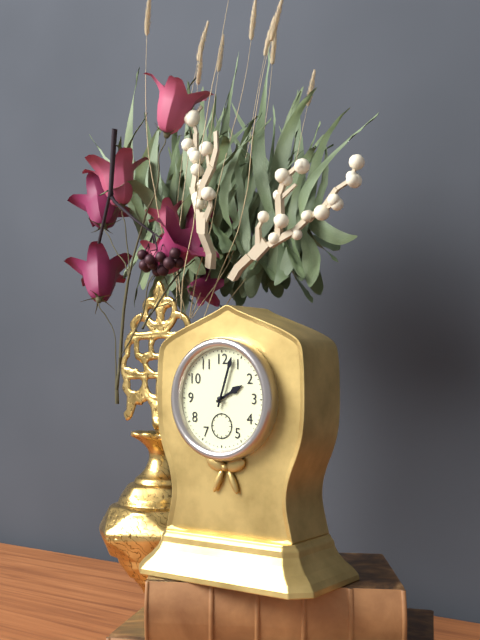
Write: 2:03
